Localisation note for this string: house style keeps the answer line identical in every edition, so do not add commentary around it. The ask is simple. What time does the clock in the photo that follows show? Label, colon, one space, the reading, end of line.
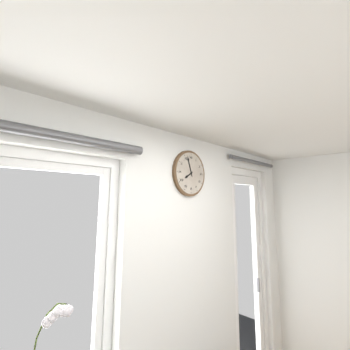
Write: 7:57
